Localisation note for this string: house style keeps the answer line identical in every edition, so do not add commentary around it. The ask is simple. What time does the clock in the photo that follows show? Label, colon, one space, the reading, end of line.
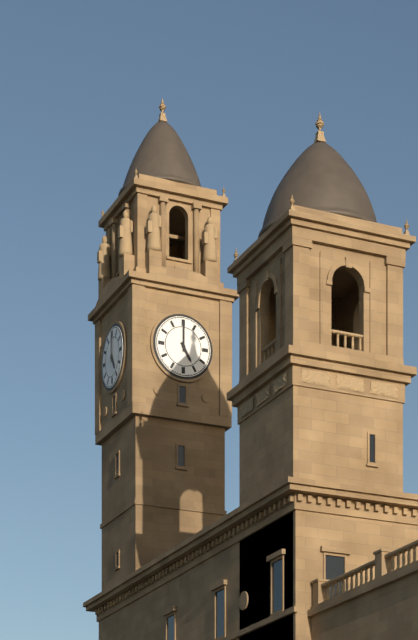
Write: 5:00
